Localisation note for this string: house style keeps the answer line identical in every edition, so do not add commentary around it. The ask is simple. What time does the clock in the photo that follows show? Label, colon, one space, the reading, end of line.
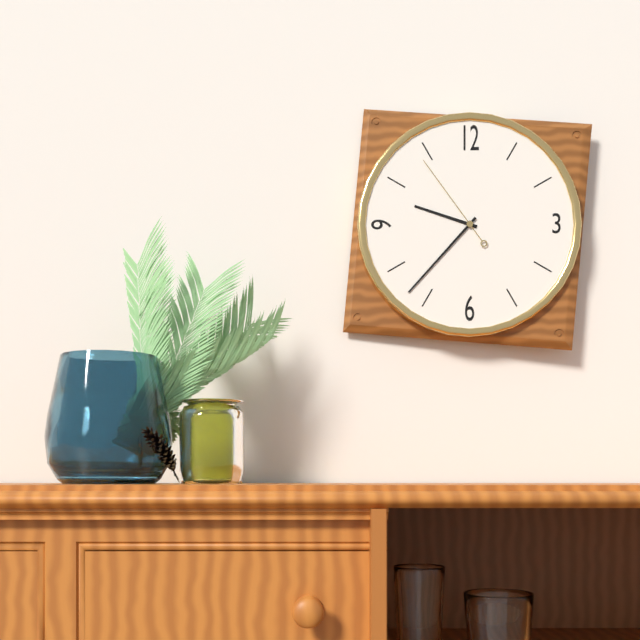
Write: 9:37:54
